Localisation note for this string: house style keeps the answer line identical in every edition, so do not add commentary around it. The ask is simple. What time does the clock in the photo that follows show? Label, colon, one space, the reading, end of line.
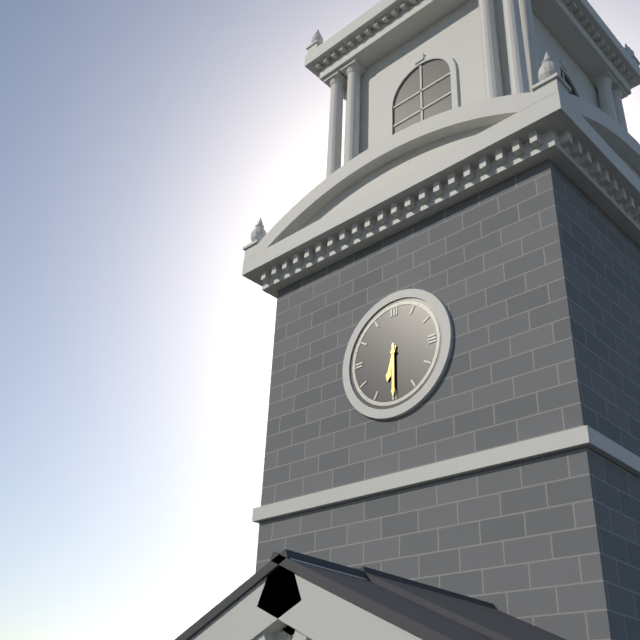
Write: 6:30
